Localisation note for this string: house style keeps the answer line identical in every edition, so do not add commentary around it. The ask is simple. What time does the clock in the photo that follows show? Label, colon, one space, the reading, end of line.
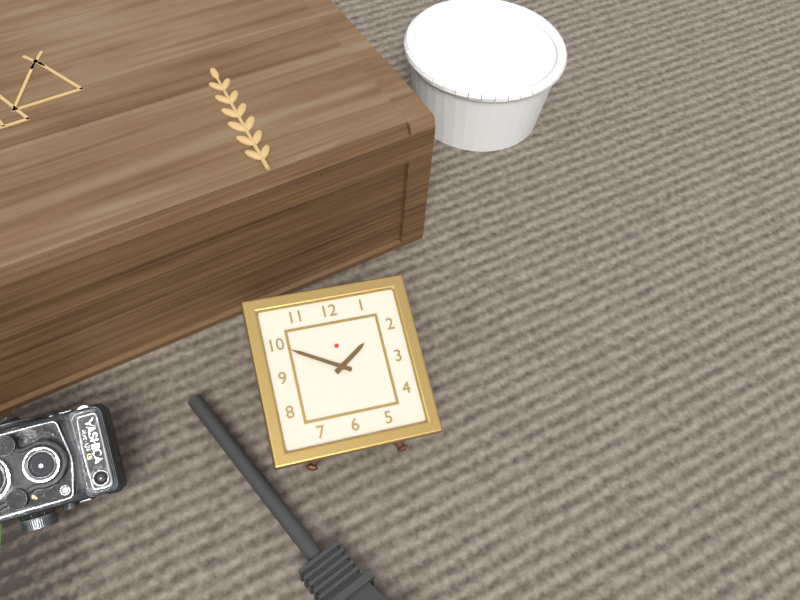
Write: 1:50
